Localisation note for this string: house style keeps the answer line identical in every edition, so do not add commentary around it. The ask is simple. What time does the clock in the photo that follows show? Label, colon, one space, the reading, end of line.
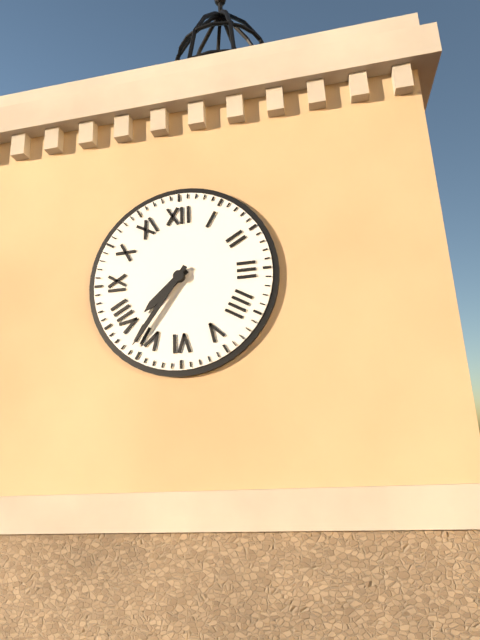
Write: 7:36
